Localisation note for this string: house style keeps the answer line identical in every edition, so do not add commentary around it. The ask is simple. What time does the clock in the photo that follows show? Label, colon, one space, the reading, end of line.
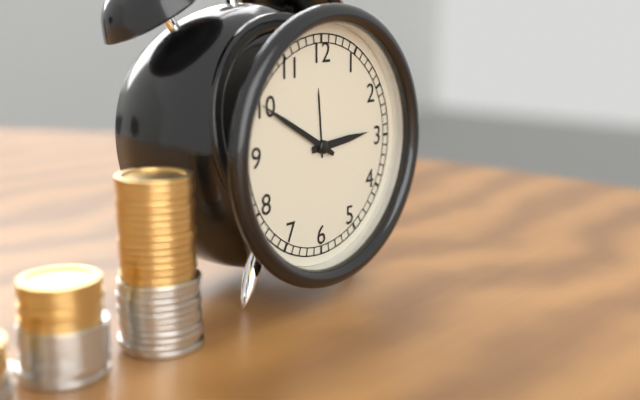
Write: 2:50
